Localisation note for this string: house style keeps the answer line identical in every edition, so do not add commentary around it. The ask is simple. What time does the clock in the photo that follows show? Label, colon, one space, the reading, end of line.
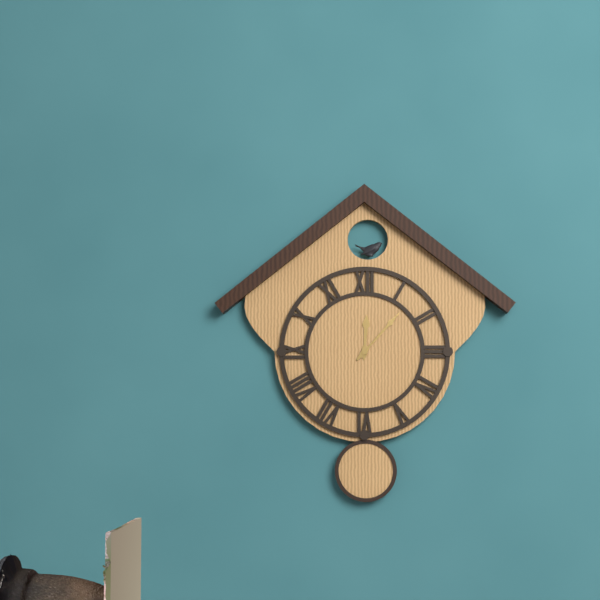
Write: 12:07
